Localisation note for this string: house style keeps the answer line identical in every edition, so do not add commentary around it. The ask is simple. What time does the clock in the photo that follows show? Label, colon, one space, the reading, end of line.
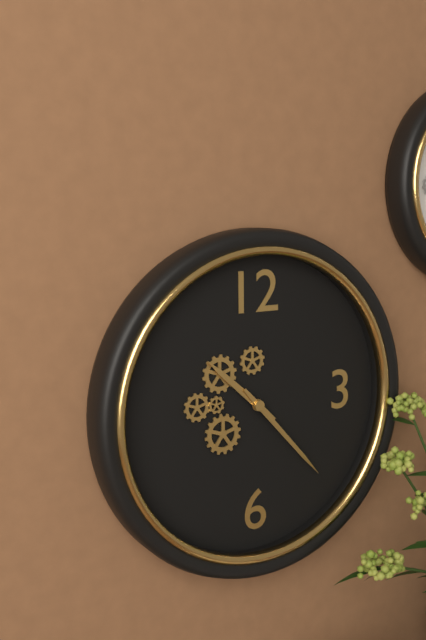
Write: 10:23
